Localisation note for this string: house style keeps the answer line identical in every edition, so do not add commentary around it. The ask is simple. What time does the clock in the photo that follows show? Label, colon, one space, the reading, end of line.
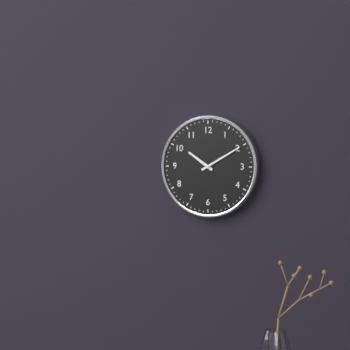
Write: 10:10
